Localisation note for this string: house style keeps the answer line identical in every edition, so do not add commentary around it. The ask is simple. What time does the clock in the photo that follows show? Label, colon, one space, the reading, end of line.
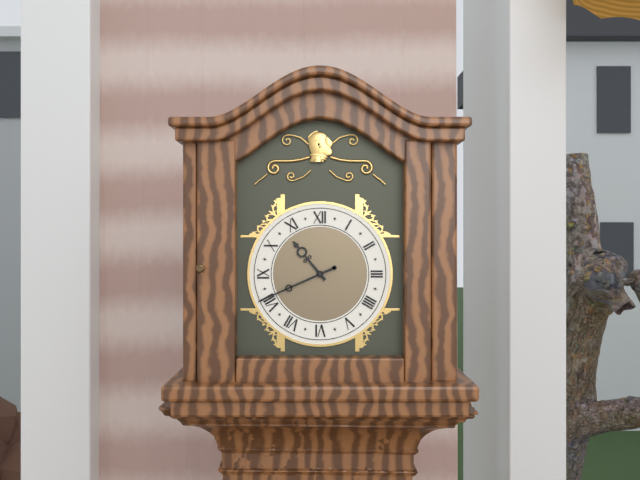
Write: 10:41
